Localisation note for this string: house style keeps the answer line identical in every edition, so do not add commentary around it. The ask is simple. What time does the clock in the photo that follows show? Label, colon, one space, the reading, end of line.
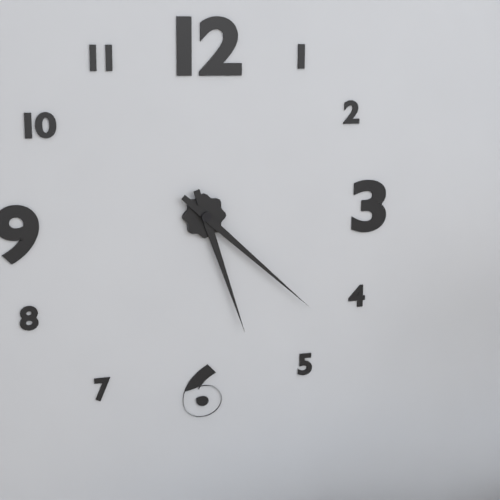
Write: 5:22
